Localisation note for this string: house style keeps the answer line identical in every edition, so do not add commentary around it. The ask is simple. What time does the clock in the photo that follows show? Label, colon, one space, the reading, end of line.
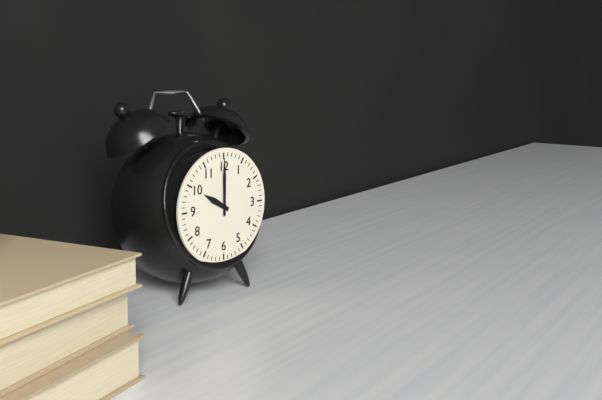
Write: 10:00
